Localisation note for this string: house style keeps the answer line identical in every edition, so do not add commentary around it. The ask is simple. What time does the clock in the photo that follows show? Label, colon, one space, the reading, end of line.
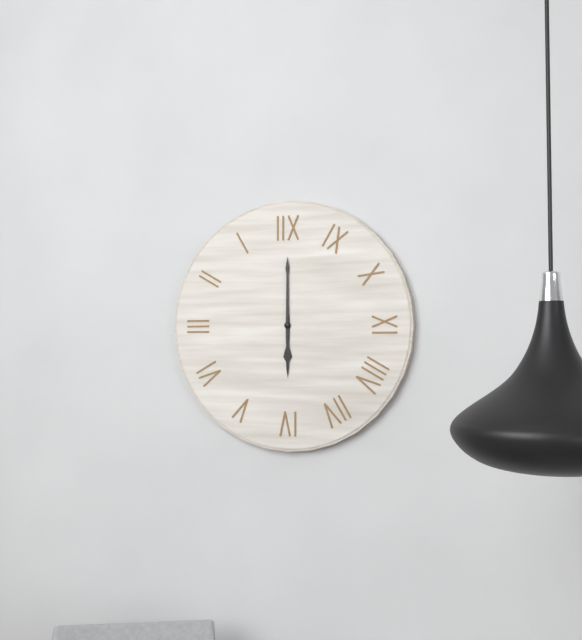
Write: 6:00
